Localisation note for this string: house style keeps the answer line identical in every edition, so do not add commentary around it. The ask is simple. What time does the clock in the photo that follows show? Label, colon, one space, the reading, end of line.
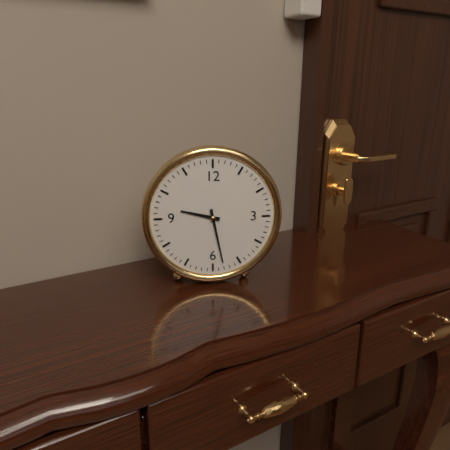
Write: 9:28
